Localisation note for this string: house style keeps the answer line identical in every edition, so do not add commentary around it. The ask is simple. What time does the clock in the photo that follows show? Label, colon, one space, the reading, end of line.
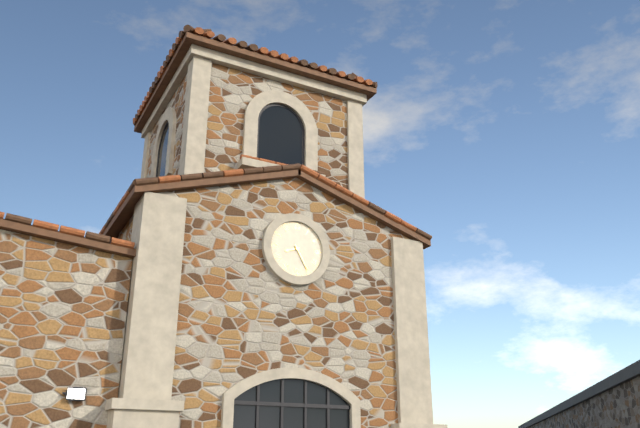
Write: 8:25
